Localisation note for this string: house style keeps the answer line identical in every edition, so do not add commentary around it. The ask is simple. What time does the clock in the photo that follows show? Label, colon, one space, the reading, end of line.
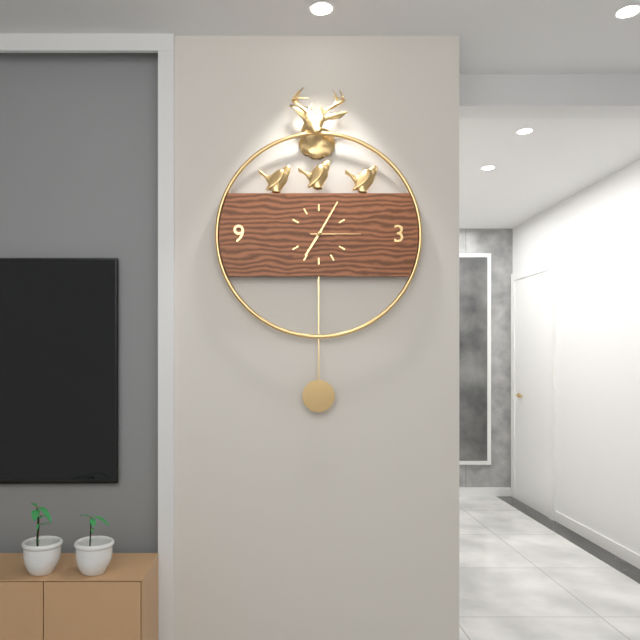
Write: 7:05:15
